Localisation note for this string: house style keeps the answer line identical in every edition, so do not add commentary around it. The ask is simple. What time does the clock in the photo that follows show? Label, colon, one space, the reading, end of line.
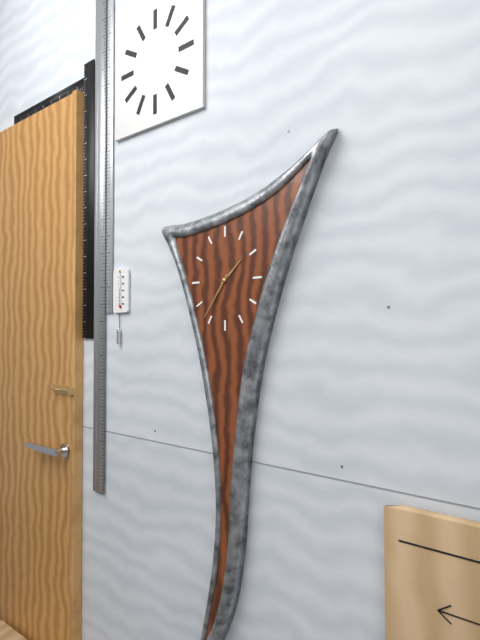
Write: 1:36
